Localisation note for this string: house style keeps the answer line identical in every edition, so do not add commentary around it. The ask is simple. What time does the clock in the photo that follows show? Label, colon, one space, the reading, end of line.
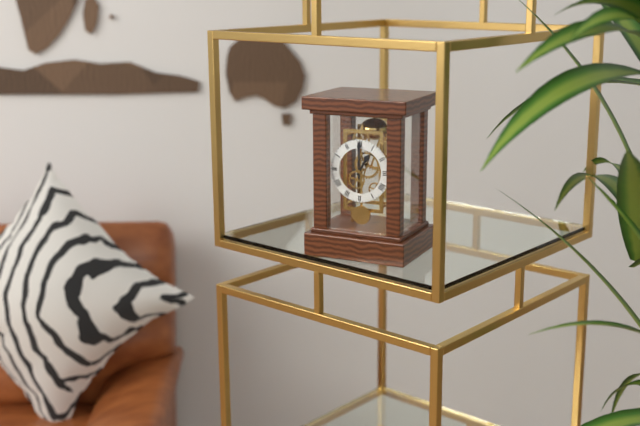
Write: 1:00
